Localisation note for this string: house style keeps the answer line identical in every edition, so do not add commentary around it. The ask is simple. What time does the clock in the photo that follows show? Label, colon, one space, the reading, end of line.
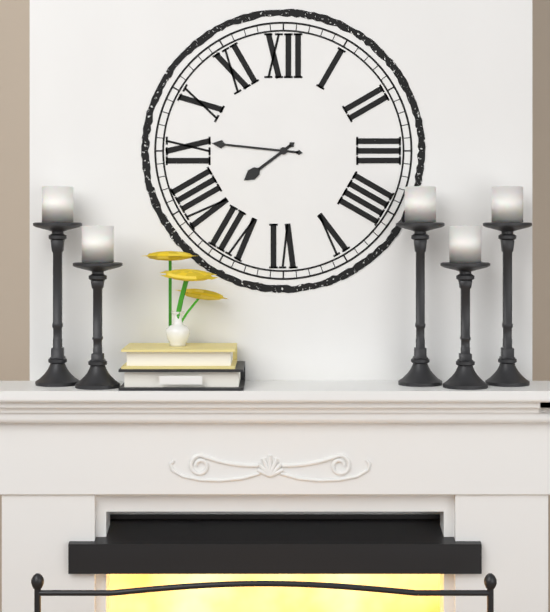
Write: 7:46
